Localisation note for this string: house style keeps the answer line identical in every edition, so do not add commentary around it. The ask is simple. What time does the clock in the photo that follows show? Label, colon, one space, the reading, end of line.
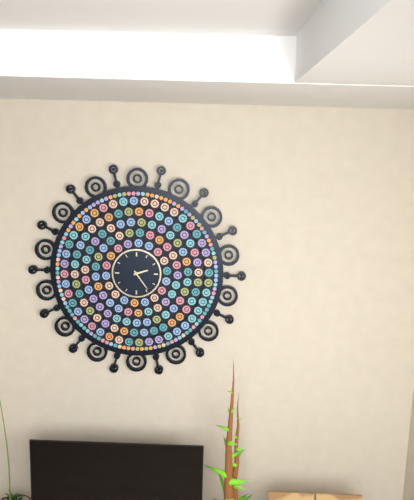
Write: 2:24
